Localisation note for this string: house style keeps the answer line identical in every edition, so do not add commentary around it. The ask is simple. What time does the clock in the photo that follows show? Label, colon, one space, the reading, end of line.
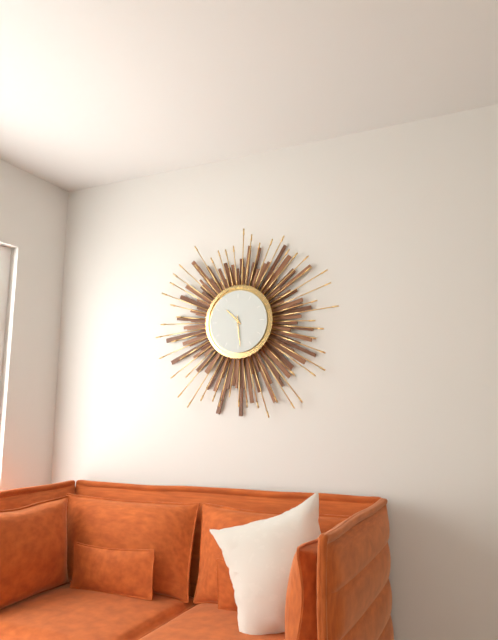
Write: 10:29
